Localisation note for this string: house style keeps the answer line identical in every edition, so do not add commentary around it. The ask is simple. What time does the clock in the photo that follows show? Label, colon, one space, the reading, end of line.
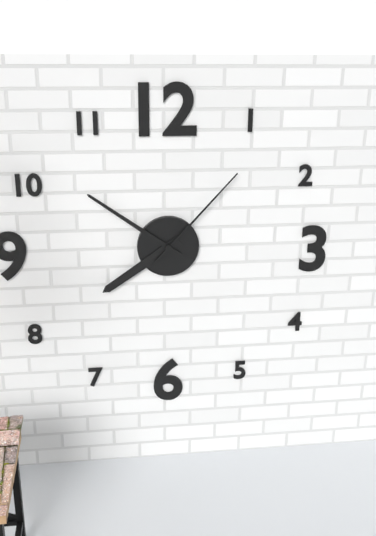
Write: 7:51:07
